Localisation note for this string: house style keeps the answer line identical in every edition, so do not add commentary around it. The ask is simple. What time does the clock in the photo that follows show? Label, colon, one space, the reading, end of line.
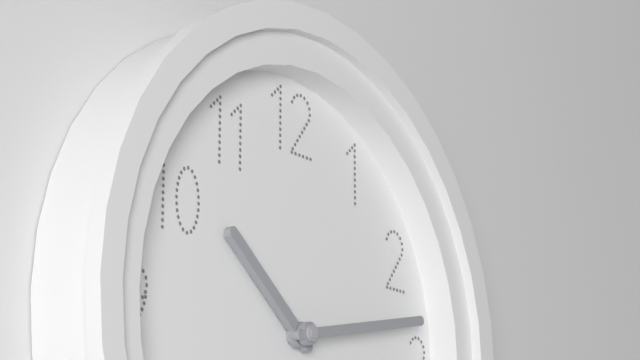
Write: 10:13
